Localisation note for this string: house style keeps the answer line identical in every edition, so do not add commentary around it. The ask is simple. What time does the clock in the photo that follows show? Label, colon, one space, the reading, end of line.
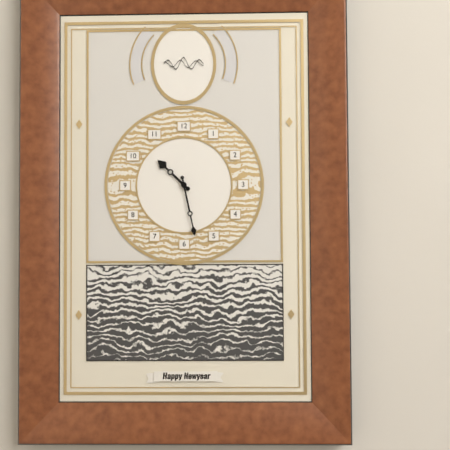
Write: 10:28
